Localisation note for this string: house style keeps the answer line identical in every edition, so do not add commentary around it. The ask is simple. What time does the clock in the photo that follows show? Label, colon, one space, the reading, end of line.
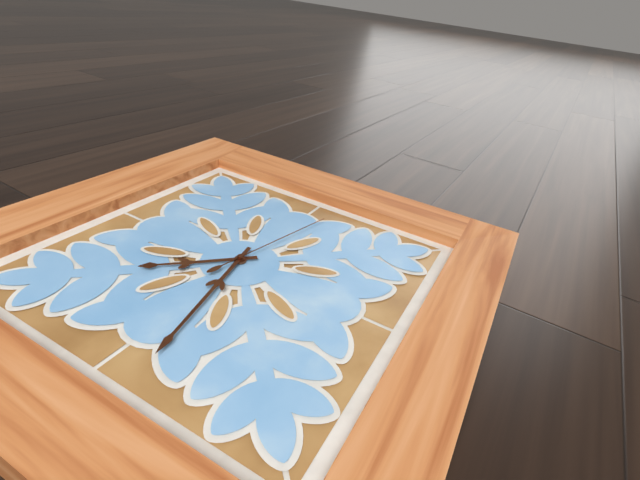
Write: 7:28:02
